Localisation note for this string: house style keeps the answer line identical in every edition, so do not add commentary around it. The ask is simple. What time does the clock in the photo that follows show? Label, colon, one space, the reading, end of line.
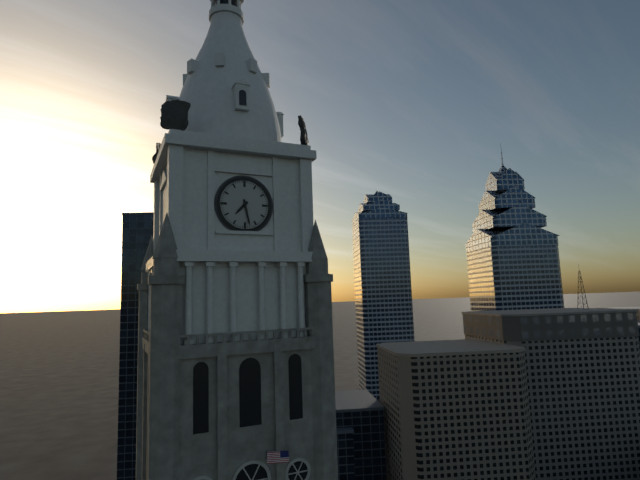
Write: 7:28
